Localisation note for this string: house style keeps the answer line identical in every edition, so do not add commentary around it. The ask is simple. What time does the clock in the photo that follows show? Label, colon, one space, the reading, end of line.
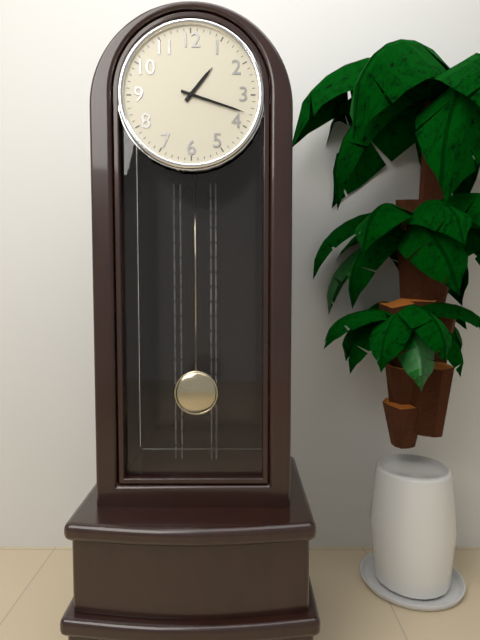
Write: 1:18
